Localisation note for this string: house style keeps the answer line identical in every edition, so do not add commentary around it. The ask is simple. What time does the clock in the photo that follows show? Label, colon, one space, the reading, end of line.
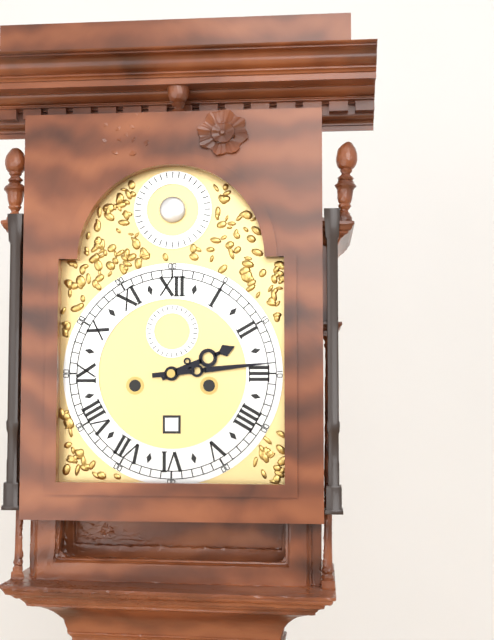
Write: 2:14
